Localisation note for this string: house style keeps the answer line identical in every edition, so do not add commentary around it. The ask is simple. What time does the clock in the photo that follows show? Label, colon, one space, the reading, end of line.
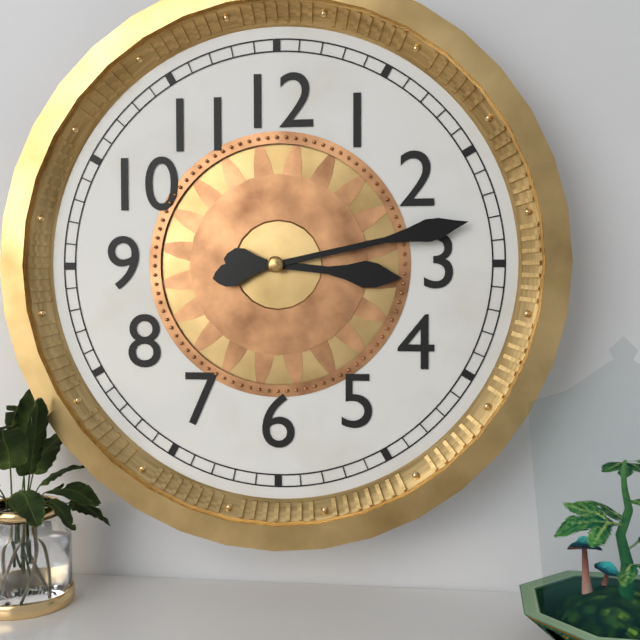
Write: 3:13
